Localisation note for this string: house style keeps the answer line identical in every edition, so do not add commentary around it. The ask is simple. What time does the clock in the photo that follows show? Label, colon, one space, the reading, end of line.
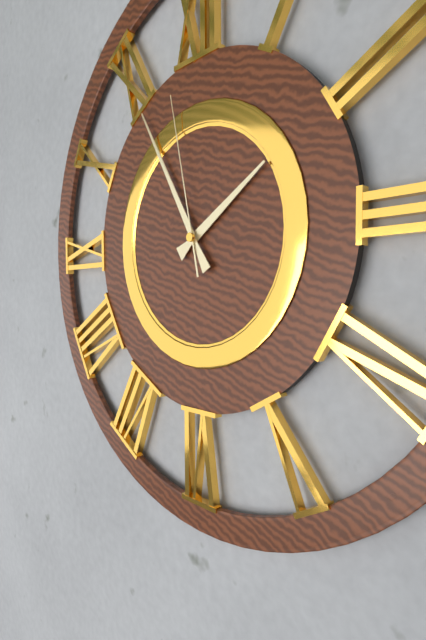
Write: 1:55:58
